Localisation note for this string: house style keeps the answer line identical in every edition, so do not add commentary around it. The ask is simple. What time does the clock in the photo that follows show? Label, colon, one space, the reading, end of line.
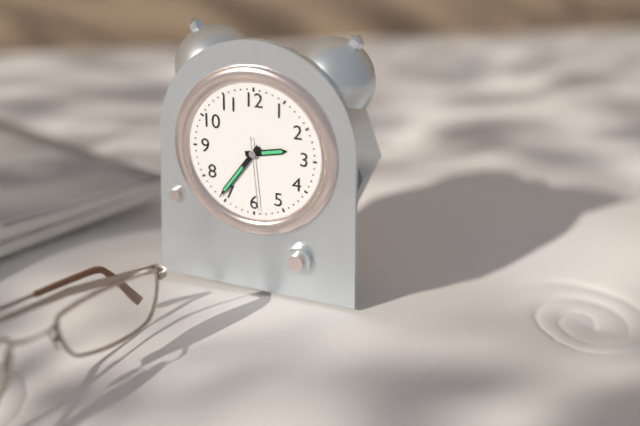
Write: 2:36:29
